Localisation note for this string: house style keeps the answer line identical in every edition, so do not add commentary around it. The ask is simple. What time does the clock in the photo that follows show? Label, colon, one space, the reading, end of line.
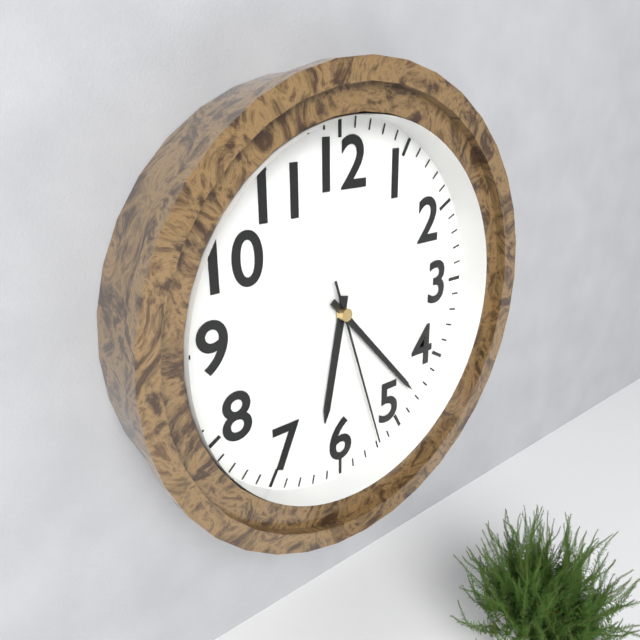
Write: 6:23:27
